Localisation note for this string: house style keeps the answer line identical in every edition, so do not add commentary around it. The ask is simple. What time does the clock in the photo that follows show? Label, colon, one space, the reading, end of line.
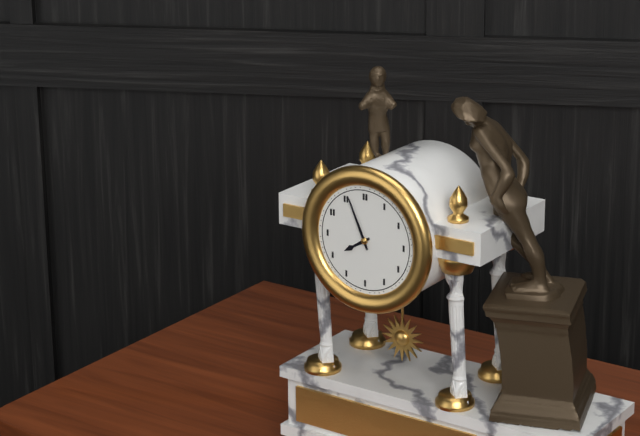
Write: 7:56
